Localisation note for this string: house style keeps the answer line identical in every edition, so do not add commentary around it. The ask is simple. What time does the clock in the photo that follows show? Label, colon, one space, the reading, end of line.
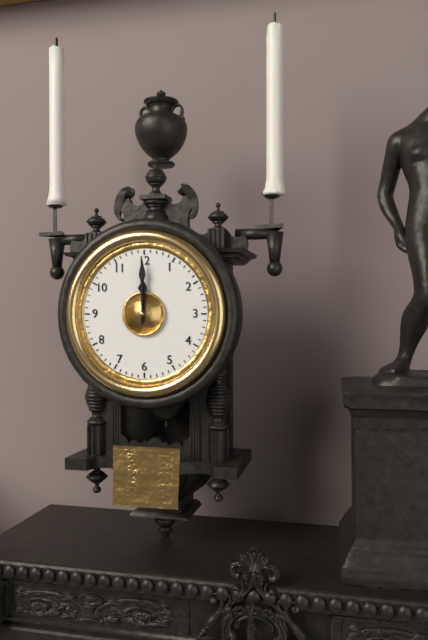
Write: 12:00
